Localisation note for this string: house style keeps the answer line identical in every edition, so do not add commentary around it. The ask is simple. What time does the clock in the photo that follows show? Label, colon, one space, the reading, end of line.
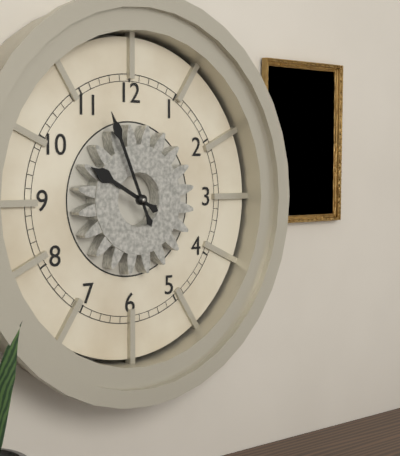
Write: 9:56
